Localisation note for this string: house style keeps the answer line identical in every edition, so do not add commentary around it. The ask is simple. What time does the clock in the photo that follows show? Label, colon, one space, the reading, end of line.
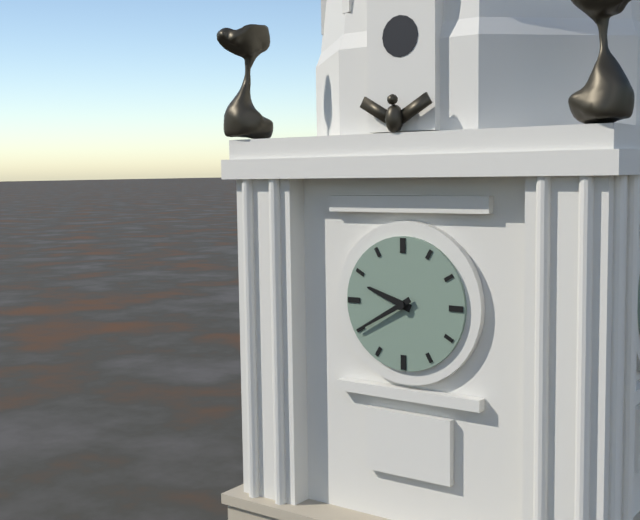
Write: 9:40
